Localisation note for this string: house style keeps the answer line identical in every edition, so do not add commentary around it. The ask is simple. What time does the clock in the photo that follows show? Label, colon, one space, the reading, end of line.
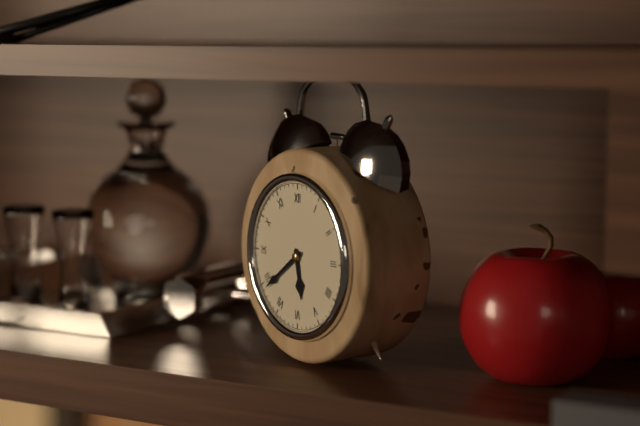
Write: 5:39
